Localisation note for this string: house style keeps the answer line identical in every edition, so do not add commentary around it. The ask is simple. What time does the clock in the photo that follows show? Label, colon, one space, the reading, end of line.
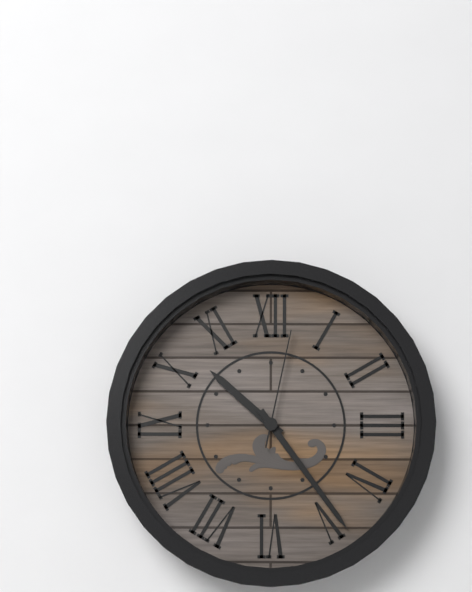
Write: 10:24:02
